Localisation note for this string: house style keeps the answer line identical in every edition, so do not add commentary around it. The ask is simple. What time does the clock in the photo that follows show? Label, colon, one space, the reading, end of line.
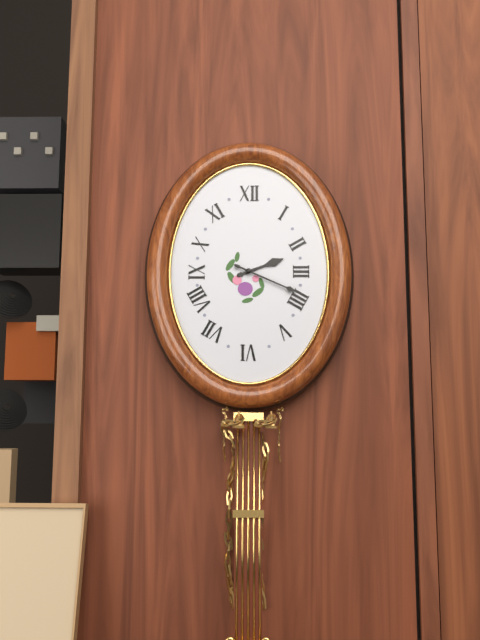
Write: 2:19
